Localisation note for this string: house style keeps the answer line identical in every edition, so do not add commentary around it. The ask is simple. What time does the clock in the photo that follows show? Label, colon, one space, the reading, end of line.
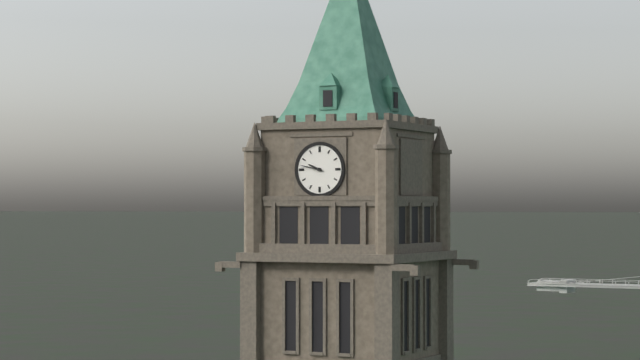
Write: 9:47
